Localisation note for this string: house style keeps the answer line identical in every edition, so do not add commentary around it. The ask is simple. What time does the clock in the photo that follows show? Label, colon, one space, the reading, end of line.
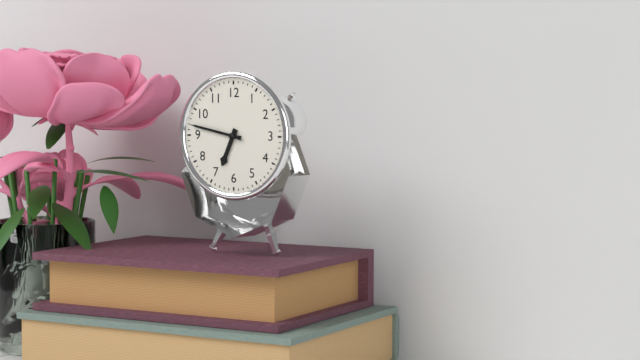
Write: 6:47
